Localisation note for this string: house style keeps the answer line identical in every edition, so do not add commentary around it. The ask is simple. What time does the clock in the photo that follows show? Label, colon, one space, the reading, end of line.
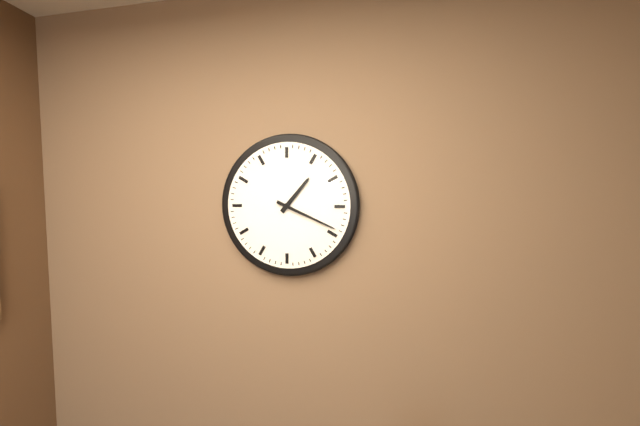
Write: 1:19
